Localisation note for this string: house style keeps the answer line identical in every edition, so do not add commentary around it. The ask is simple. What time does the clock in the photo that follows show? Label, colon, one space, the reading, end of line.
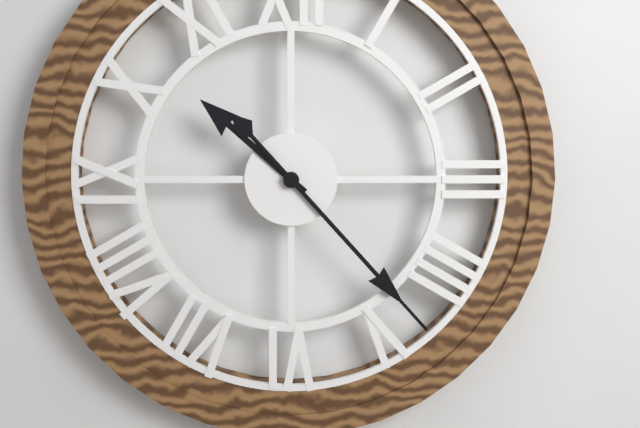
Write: 10:23
